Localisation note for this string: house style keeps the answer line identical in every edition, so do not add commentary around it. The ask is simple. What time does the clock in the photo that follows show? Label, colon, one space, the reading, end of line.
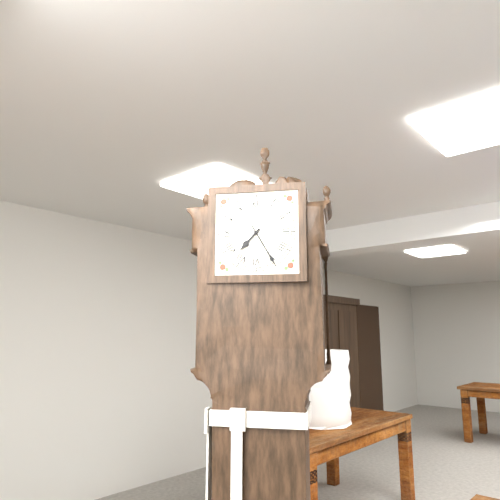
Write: 7:25
